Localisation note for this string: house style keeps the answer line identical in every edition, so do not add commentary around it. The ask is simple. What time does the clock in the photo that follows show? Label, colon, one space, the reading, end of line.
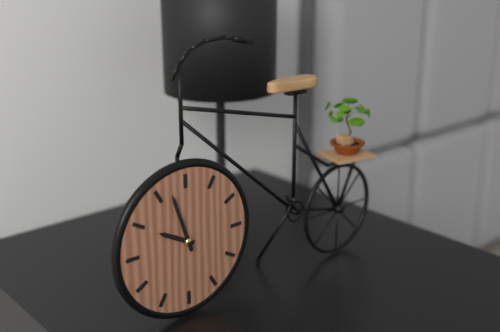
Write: 9:57
